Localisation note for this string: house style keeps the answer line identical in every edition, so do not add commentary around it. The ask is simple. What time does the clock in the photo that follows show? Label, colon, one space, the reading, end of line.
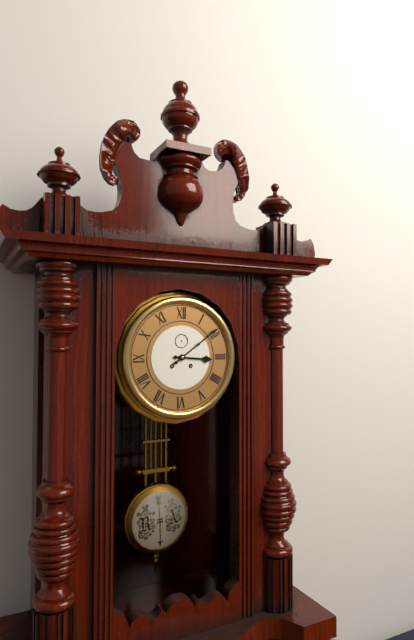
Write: 3:09
